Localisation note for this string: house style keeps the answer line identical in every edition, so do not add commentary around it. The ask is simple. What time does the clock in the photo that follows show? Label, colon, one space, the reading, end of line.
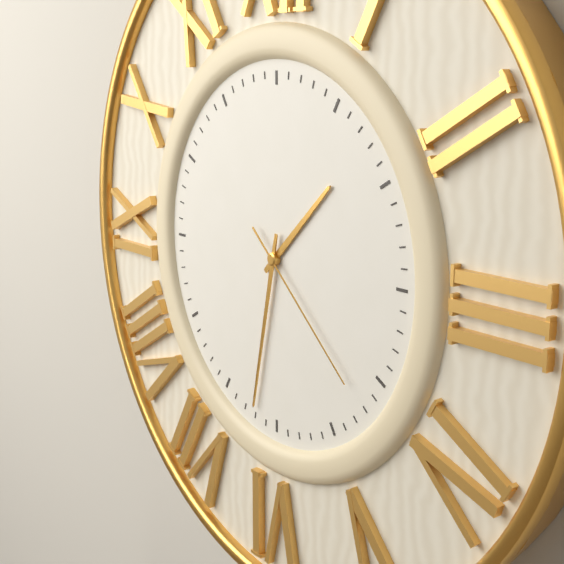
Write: 1:32:22
